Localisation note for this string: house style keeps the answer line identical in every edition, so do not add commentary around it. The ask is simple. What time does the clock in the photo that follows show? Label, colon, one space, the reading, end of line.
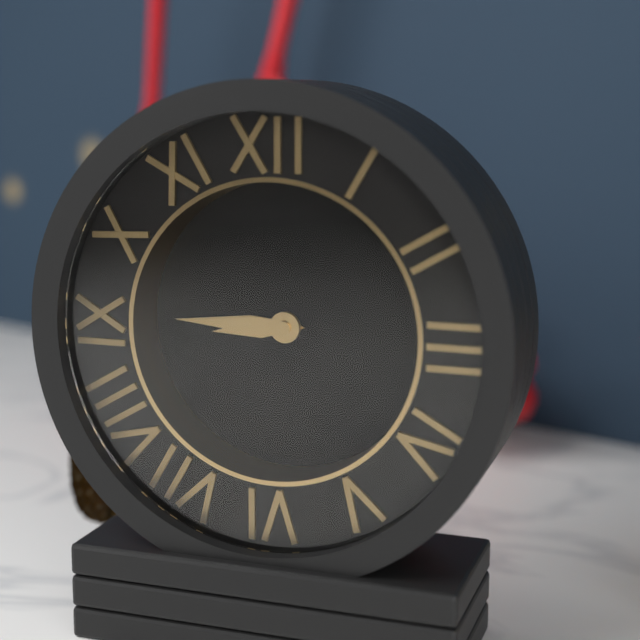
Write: 8:45
